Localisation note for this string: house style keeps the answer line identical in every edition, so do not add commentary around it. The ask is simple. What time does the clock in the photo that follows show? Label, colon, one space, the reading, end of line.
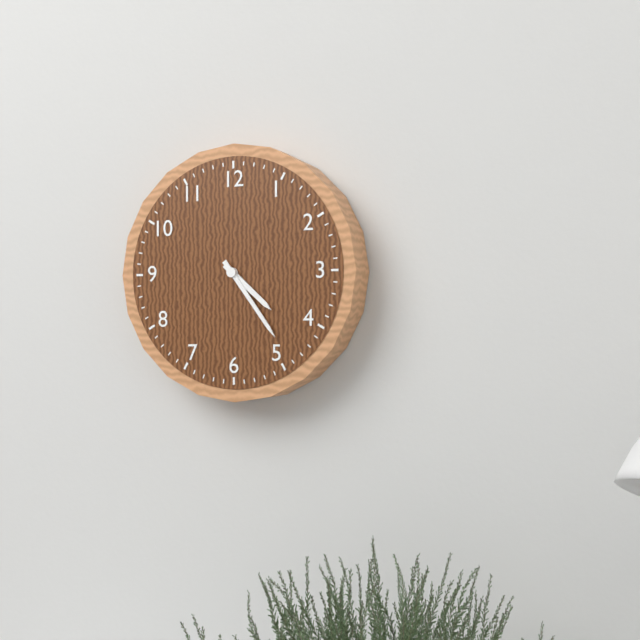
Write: 4:24
